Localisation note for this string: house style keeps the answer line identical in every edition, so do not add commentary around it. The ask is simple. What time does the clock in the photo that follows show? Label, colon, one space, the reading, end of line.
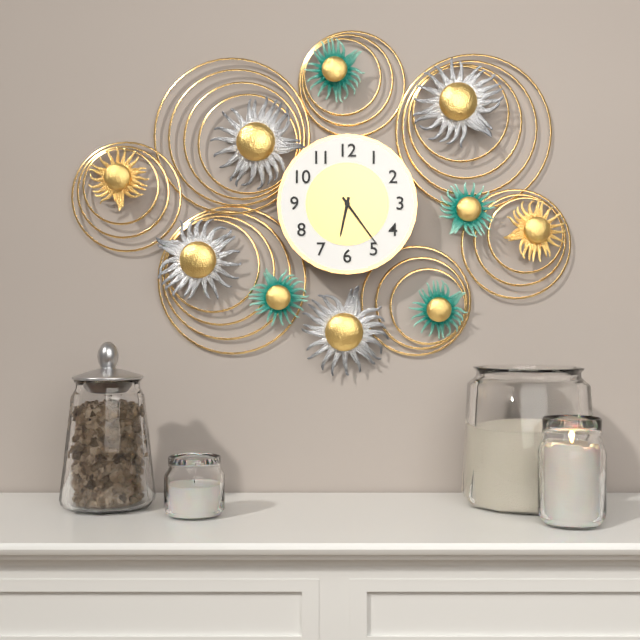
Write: 6:24
